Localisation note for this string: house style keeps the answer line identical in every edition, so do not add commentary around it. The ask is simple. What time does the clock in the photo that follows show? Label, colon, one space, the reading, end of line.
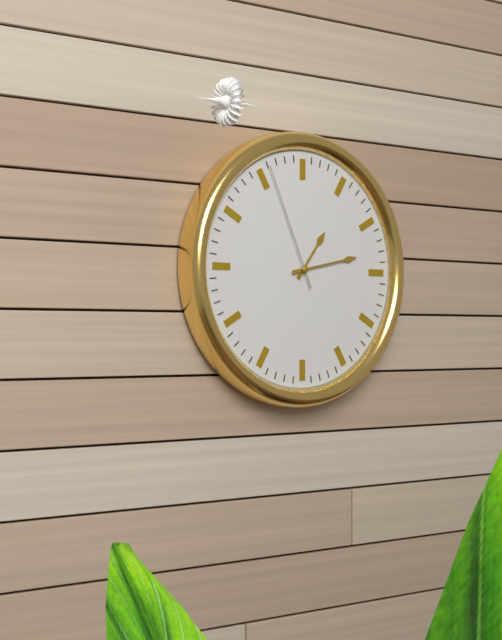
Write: 1:13:56
